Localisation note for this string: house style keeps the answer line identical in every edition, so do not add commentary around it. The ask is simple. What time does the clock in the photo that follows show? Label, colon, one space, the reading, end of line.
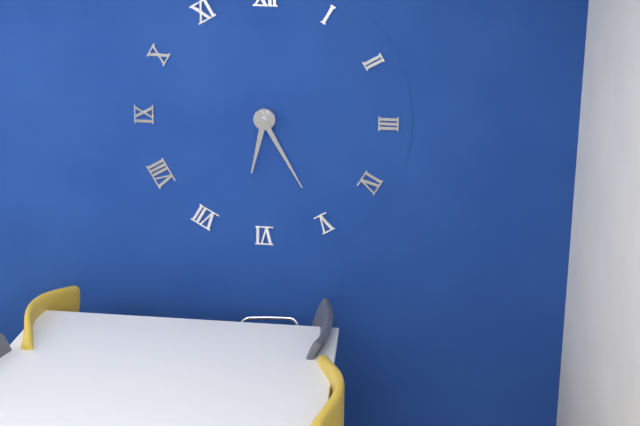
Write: 6:25
